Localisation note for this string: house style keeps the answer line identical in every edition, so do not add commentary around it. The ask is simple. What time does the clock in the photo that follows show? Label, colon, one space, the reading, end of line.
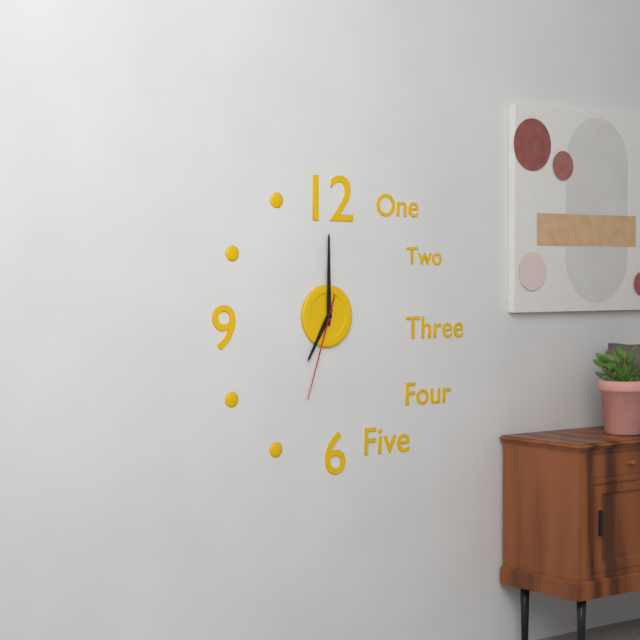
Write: 7:00:33
